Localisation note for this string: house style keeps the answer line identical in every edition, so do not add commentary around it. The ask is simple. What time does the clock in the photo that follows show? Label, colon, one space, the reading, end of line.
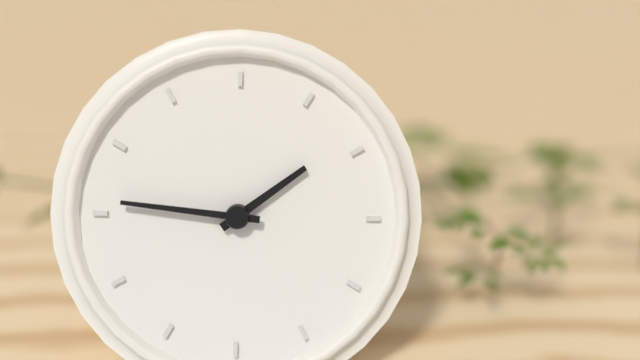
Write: 1:46
